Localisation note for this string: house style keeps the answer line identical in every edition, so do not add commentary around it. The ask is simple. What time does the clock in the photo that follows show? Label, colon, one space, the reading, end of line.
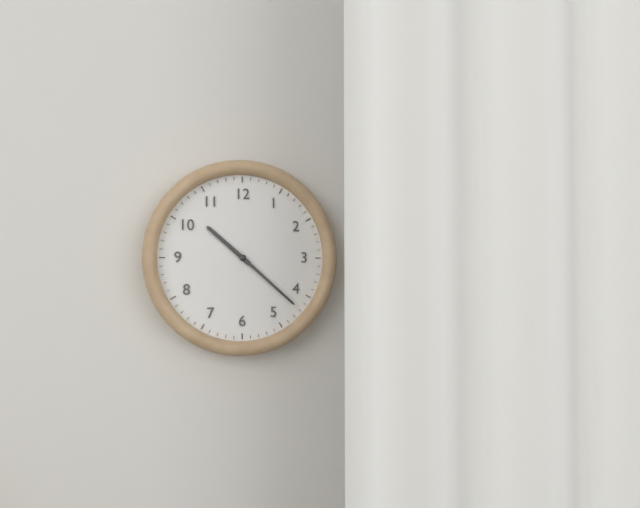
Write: 10:22
